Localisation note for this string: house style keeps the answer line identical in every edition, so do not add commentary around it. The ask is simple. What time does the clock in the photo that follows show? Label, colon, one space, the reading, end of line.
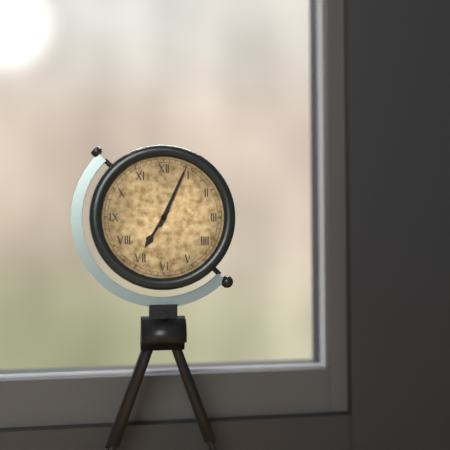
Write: 7:04
